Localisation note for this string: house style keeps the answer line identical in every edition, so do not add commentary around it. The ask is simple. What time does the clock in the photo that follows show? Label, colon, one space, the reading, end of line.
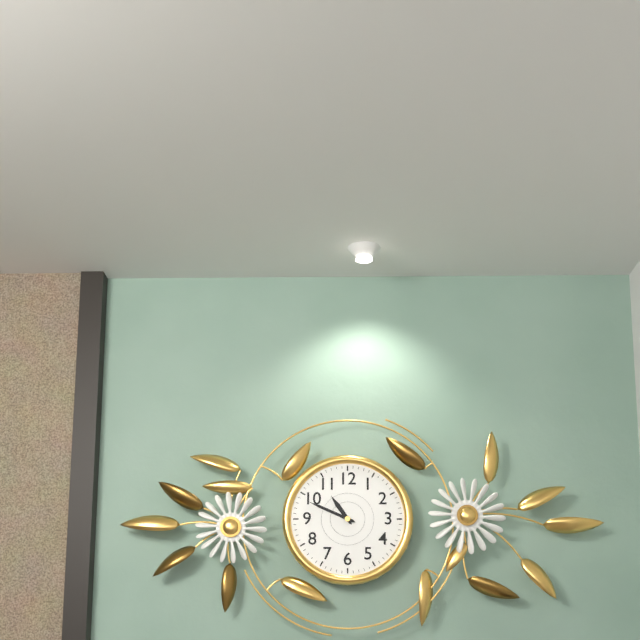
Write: 10:49
